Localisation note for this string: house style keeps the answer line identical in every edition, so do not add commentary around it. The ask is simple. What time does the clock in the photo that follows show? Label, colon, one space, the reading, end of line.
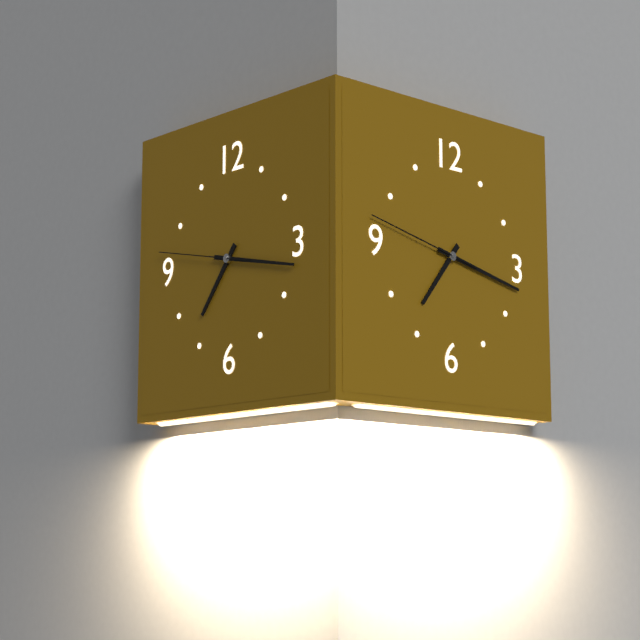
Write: 7:17:47
